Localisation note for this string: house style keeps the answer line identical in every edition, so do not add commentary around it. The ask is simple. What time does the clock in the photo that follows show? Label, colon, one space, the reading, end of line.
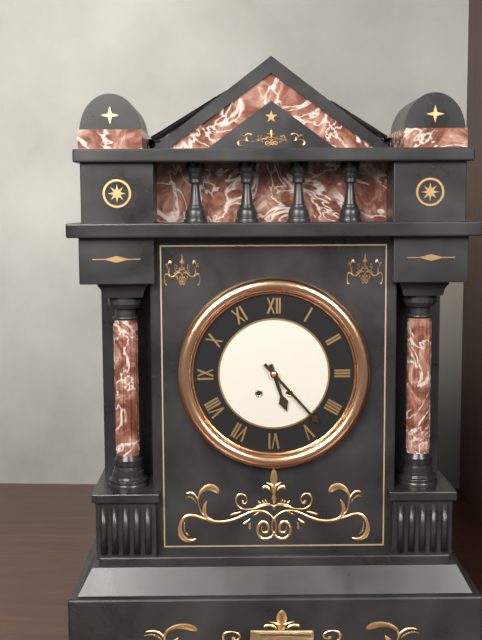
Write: 5:23
